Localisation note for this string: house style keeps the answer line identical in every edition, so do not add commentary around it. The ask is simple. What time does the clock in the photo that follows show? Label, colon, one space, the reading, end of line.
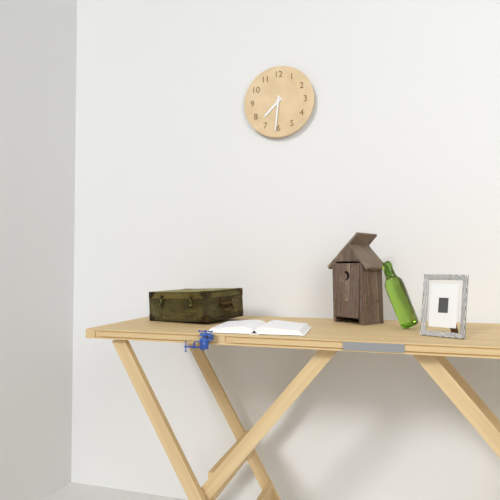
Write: 7:31
